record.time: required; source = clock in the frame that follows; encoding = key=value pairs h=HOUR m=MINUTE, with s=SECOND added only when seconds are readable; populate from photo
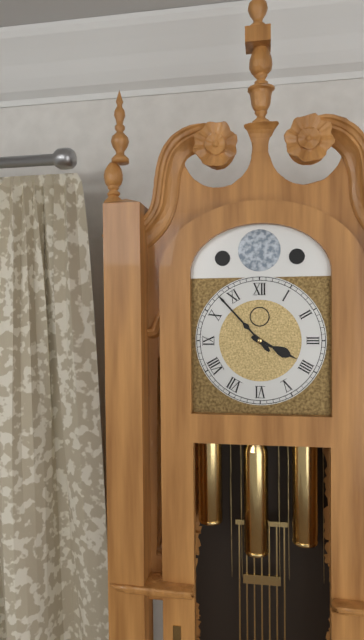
h=3 m=53
